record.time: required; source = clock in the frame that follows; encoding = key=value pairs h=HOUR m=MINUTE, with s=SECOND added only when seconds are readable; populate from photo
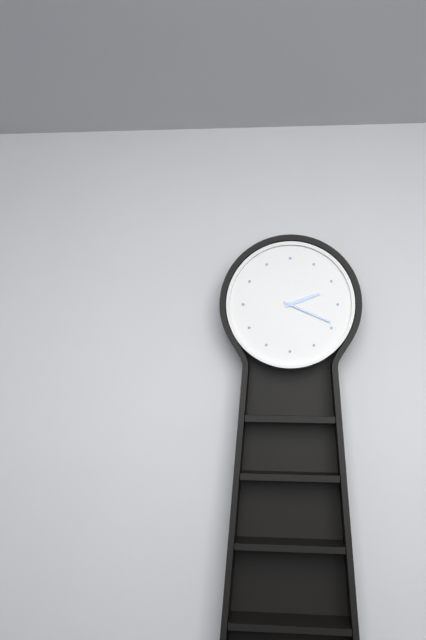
h=2 m=19
